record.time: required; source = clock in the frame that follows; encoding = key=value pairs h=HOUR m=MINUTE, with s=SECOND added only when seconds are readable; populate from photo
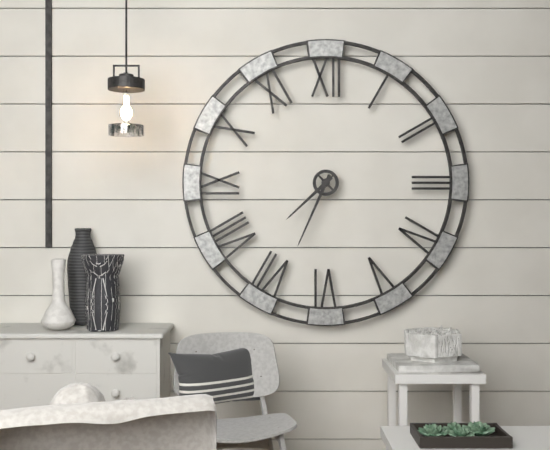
h=7 m=34
